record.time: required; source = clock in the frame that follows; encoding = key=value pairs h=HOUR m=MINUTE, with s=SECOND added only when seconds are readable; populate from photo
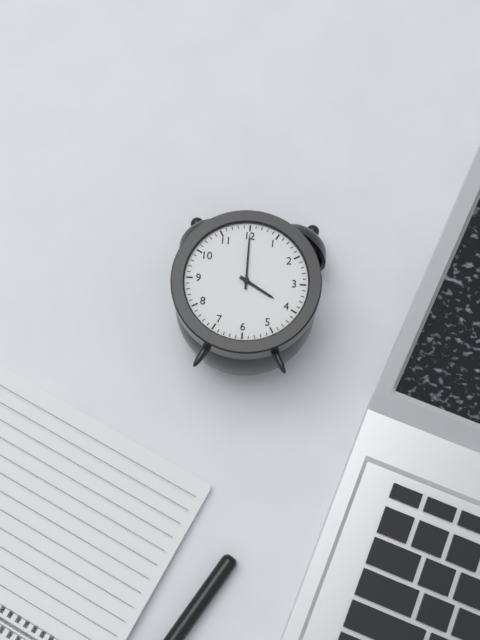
h=4 m=0
